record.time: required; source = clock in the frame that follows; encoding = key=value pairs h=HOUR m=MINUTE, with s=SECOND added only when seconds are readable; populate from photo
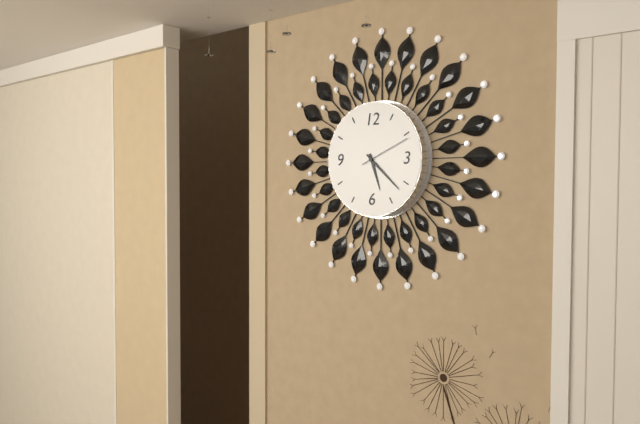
h=5 m=22 s=11
